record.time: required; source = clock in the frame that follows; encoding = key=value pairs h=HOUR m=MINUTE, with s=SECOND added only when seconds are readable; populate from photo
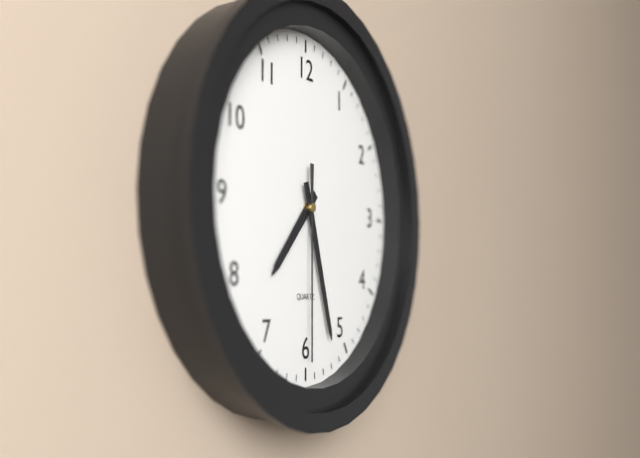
h=7 m=27 s=30
